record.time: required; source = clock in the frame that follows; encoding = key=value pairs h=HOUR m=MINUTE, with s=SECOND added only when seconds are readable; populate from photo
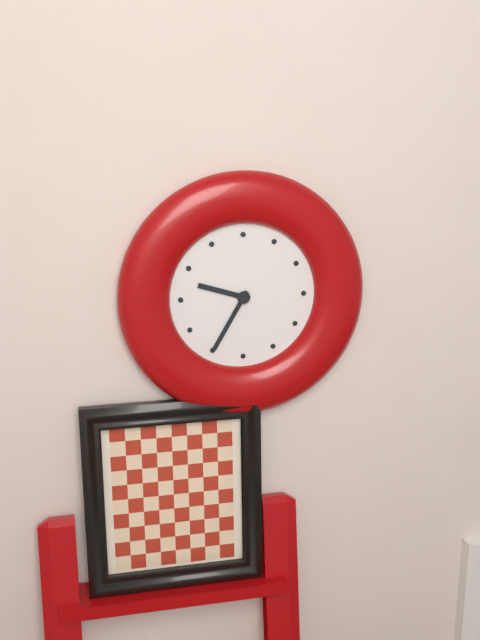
h=9 m=35
